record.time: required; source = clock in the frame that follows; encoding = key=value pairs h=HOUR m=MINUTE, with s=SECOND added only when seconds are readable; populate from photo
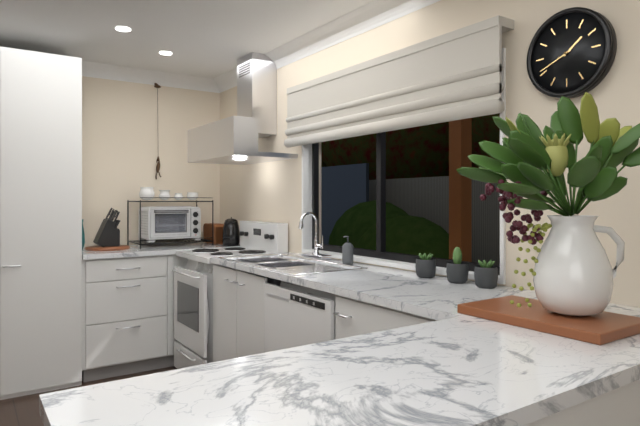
h=1 m=41
